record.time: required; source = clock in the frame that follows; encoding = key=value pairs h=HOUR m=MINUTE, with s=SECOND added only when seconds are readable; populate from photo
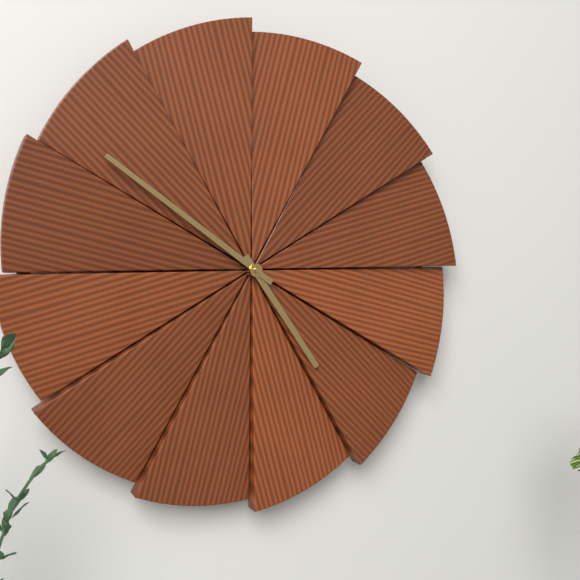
h=4 m=51
